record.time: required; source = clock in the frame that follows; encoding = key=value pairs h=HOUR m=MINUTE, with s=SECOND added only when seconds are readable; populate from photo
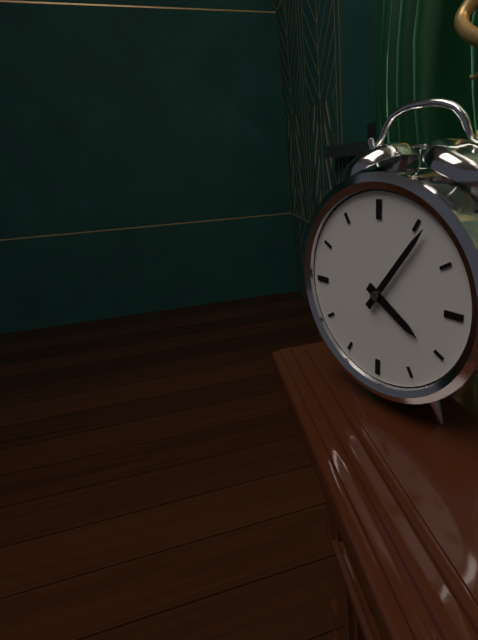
h=4 m=6
